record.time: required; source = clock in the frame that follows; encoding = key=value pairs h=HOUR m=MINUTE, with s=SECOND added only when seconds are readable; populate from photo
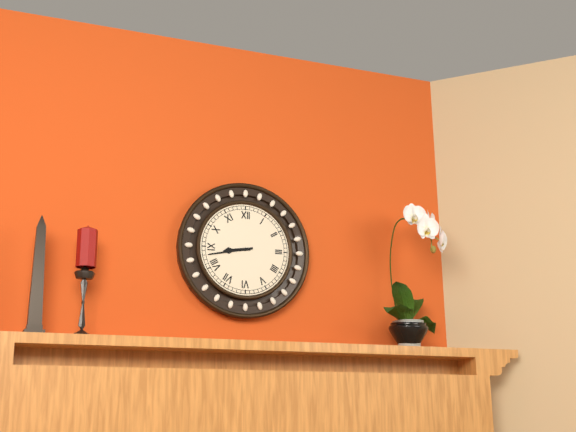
h=8 m=43
